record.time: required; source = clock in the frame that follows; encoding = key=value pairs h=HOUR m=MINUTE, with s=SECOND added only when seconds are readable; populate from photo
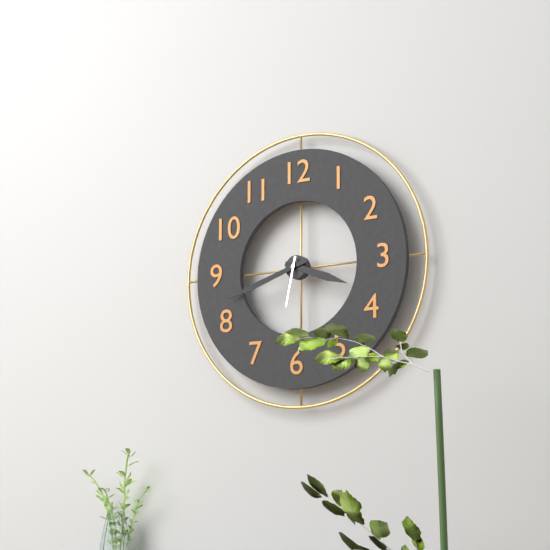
h=3 m=42 s=32
